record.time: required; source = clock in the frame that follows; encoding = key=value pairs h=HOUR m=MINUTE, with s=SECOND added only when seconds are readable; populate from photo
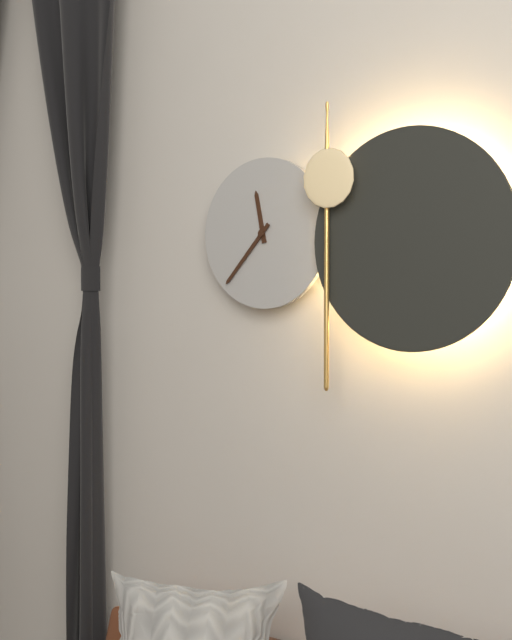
h=11 m=37
